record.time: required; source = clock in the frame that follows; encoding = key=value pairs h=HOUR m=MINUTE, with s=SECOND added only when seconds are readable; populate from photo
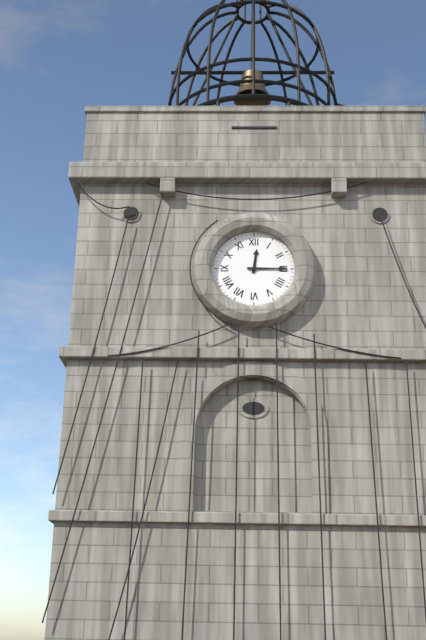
h=12 m=15
